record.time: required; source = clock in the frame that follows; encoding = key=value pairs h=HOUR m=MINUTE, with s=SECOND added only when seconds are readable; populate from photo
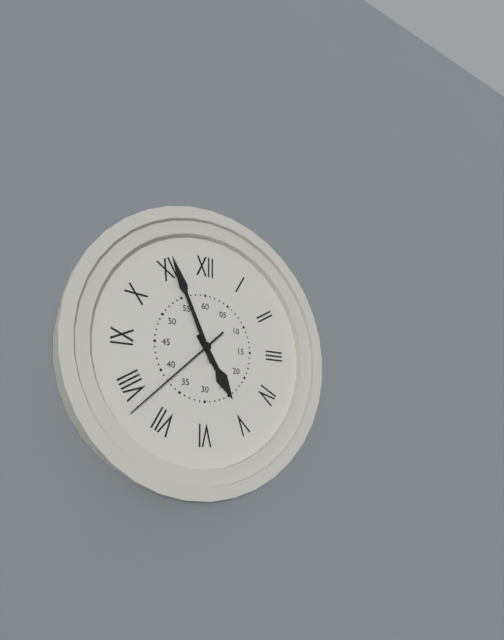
h=4 m=56 s=38
